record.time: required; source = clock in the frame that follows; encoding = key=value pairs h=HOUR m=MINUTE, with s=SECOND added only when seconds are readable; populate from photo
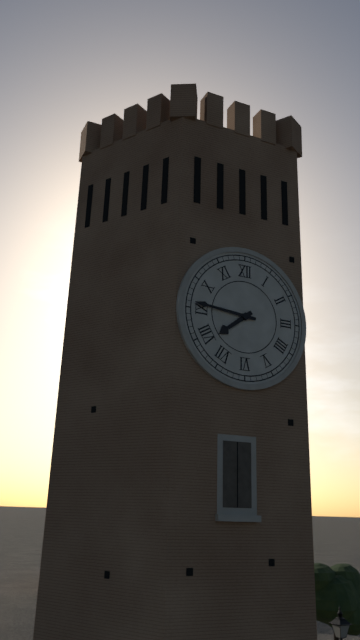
h=7 m=46
